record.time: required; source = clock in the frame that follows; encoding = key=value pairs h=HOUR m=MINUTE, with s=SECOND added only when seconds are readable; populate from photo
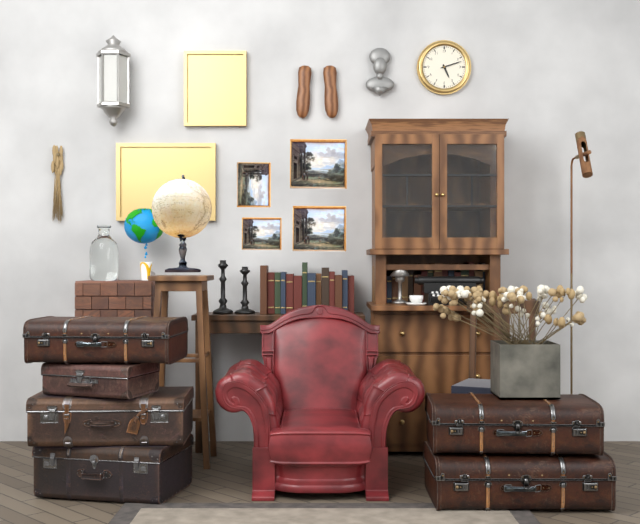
h=5 m=12
